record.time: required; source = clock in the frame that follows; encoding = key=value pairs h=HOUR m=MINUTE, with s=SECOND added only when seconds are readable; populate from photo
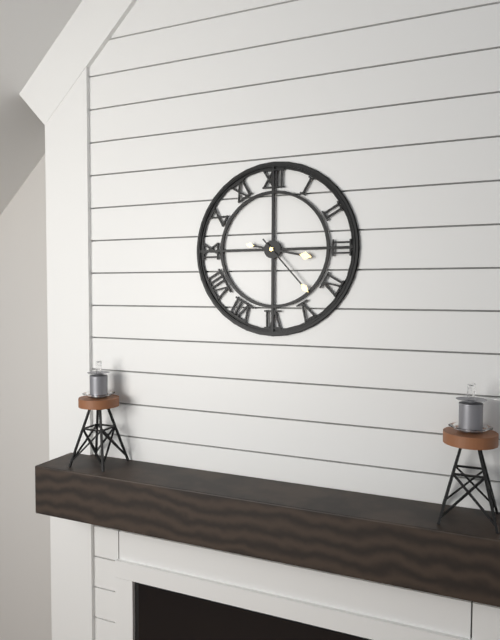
h=3 m=23
